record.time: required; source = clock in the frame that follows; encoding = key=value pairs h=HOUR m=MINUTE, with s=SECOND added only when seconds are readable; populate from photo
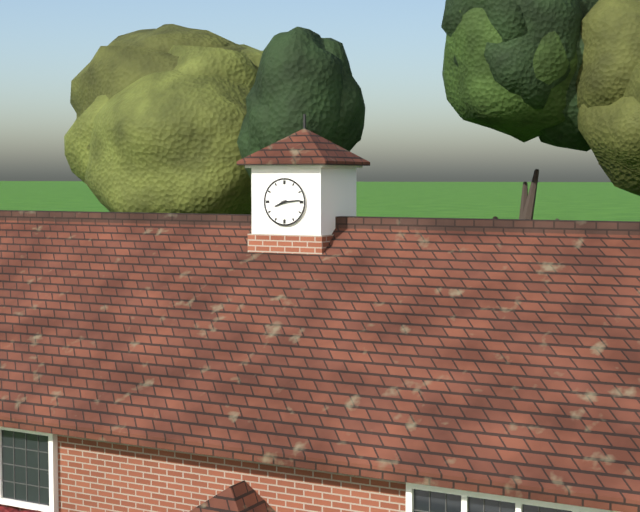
h=8 m=14
